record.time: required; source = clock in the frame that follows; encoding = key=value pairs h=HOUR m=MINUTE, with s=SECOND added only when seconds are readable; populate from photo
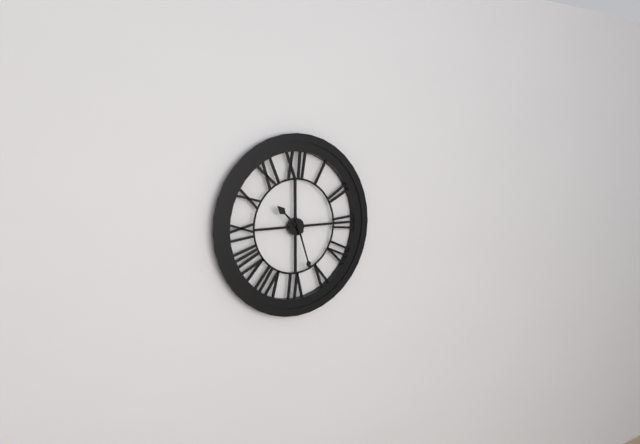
h=10 m=27
